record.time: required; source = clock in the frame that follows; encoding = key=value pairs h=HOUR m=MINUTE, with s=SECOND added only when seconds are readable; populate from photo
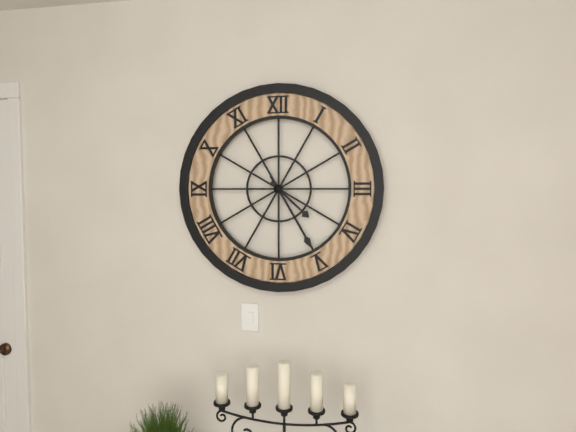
h=4 m=25
